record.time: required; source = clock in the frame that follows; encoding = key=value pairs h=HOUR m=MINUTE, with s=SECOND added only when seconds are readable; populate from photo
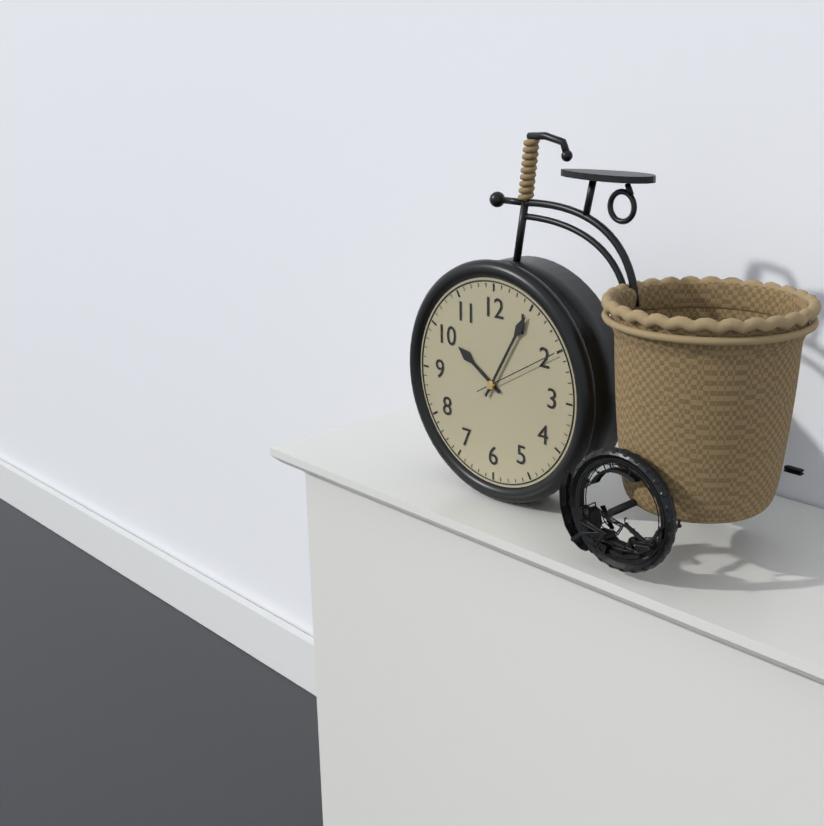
h=10 m=5 s=10
